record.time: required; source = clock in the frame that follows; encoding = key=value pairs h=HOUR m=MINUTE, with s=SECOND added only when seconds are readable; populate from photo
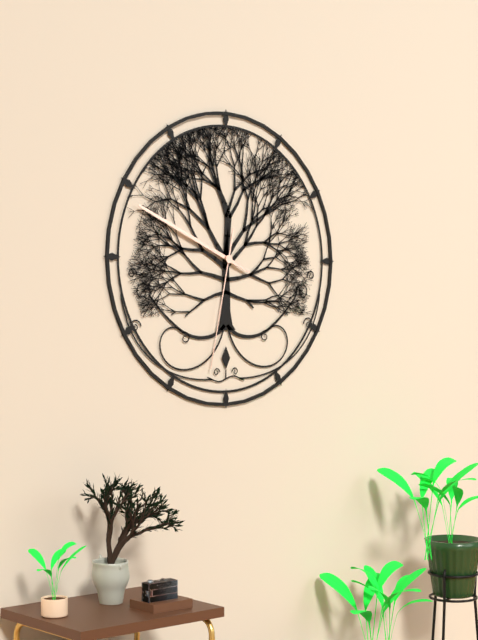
h=9 m=49 s=32
